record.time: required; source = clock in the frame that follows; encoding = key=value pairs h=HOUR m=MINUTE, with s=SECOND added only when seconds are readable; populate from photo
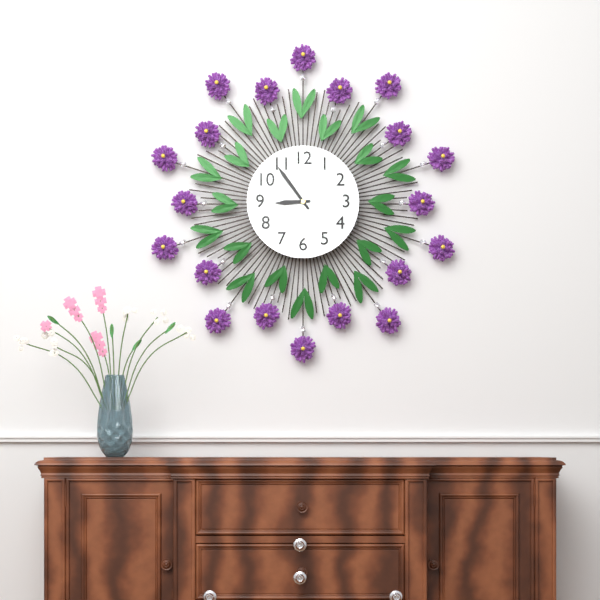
h=8 m=54
